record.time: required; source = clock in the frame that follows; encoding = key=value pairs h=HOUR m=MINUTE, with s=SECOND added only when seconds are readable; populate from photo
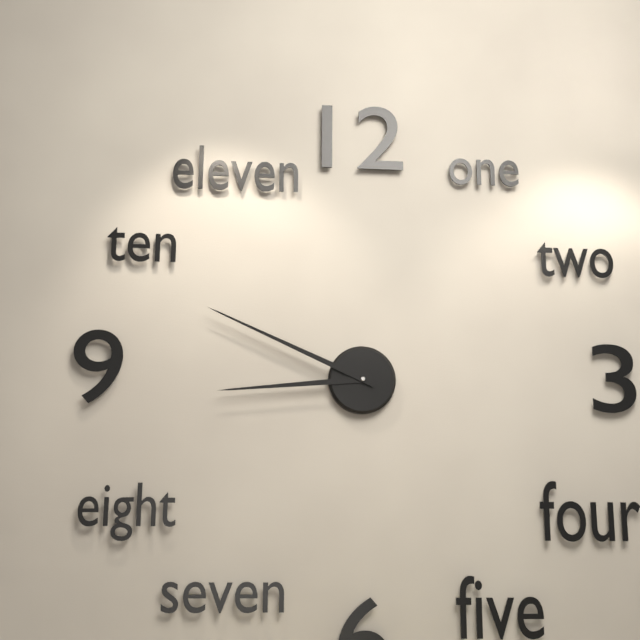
h=8 m=49
